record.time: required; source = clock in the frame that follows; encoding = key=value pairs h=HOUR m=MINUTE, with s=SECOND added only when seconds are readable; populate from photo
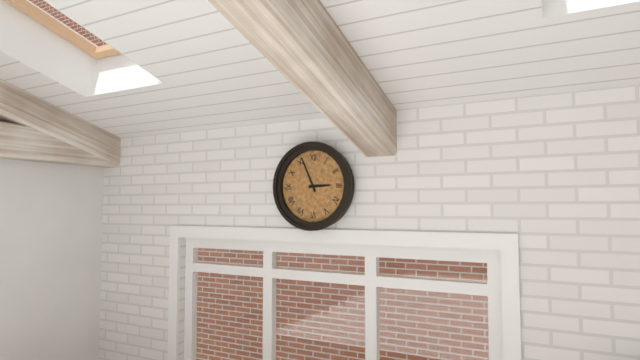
h=2 m=56
